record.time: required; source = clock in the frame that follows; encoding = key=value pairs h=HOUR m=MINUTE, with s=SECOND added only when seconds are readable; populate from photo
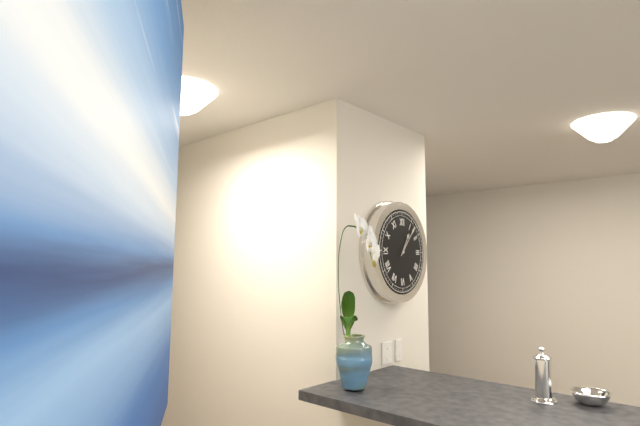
h=1 m=7
